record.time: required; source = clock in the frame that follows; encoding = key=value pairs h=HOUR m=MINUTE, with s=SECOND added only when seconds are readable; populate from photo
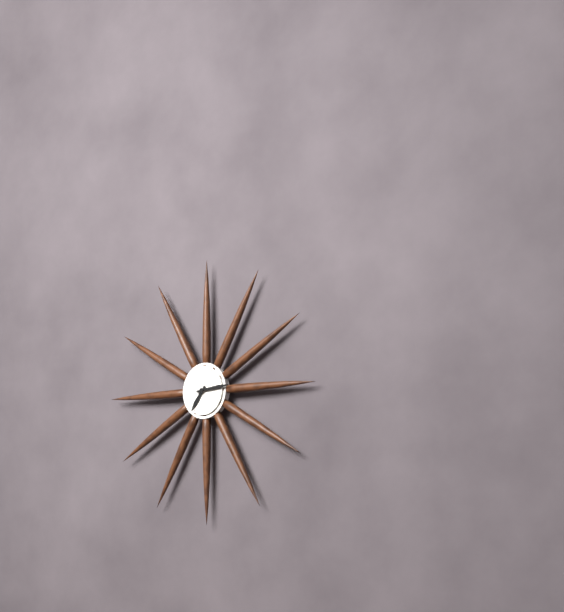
h=7 m=14
